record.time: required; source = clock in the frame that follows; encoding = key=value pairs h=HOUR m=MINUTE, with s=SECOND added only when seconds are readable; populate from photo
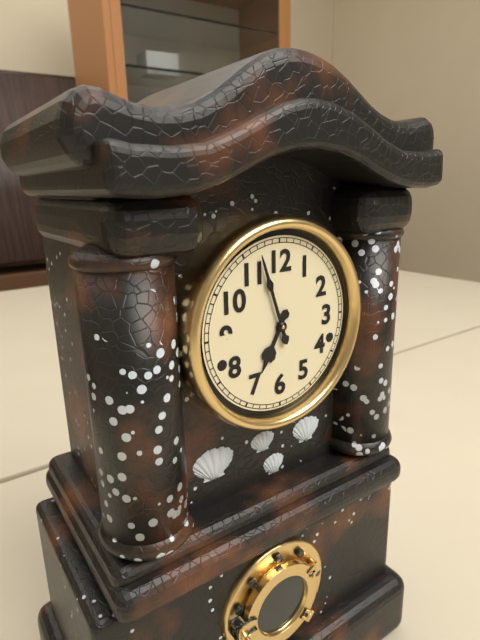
h=6 m=57
